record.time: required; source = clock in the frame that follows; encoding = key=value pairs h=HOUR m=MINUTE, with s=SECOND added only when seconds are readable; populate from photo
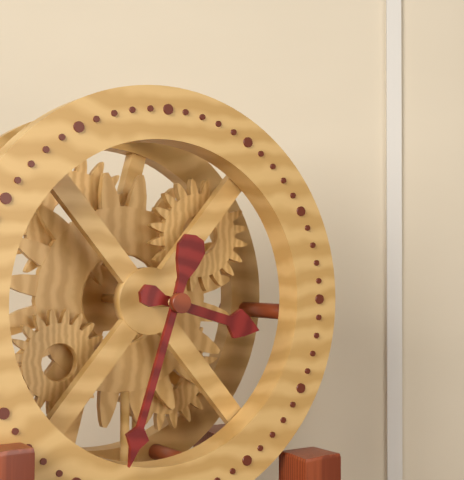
h=3 m=33
